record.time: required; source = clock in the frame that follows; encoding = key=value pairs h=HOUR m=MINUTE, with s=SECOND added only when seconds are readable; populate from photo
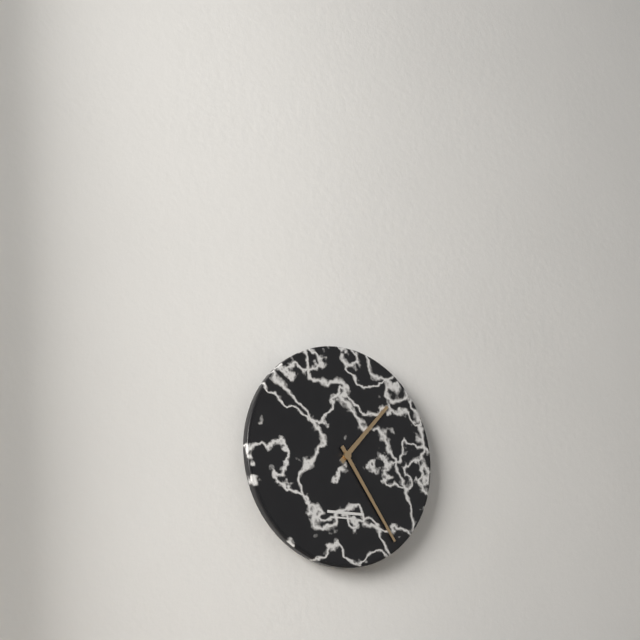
h=1 m=24
